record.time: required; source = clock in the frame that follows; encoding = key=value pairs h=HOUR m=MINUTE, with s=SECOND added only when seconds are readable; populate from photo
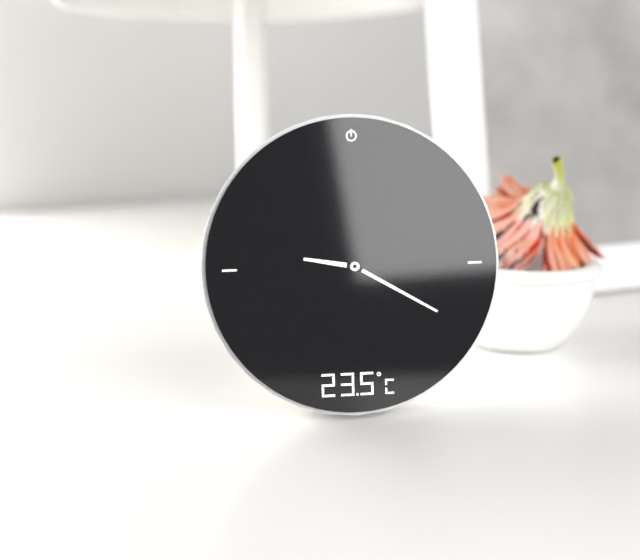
h=9 m=20
